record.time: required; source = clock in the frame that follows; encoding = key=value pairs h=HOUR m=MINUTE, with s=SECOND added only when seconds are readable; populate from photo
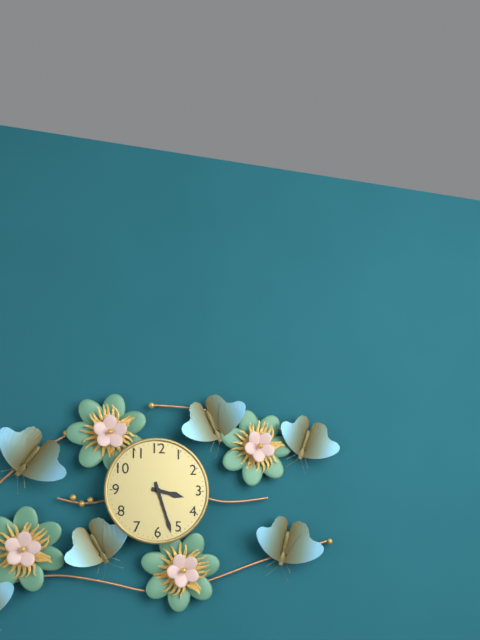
h=3 m=27
